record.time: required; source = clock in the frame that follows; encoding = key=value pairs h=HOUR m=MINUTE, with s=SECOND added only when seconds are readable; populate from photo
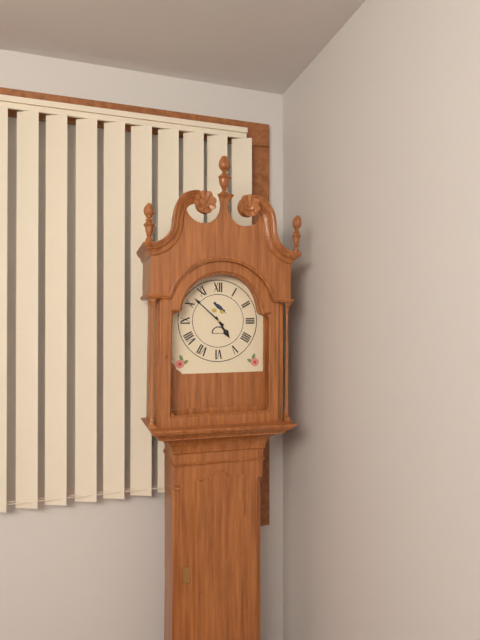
h=4 m=52
